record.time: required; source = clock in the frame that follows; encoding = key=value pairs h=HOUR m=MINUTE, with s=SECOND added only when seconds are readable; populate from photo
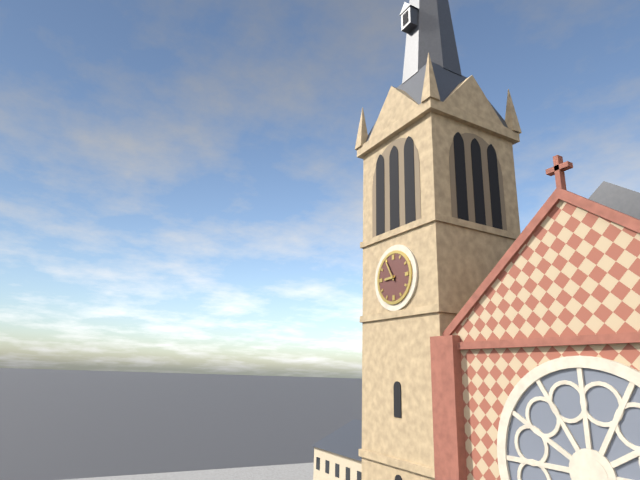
h=8 m=55
